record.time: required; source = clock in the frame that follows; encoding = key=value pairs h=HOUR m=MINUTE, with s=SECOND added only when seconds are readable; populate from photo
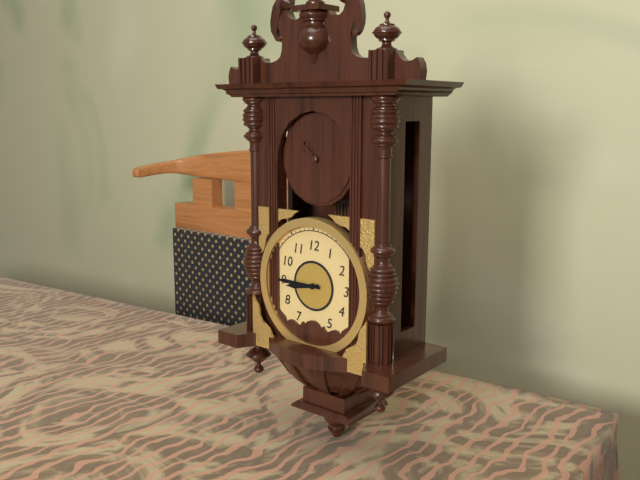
h=8 m=45
